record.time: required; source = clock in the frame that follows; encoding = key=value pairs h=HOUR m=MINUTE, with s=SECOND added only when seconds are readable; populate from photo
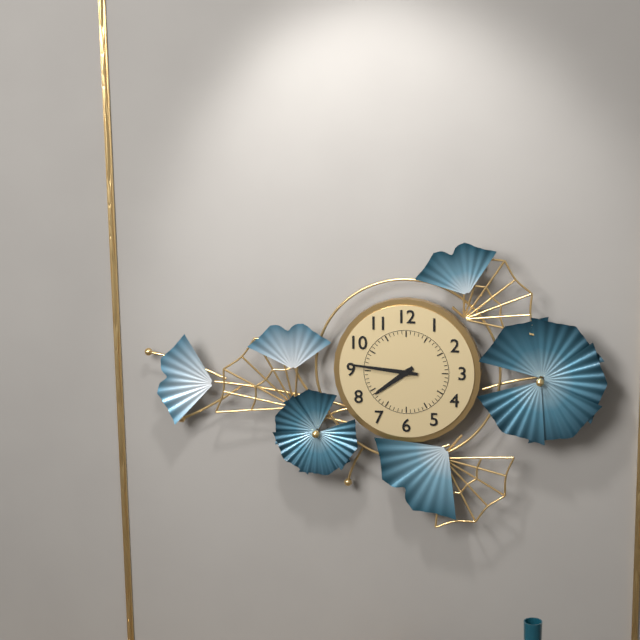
h=7 m=46
